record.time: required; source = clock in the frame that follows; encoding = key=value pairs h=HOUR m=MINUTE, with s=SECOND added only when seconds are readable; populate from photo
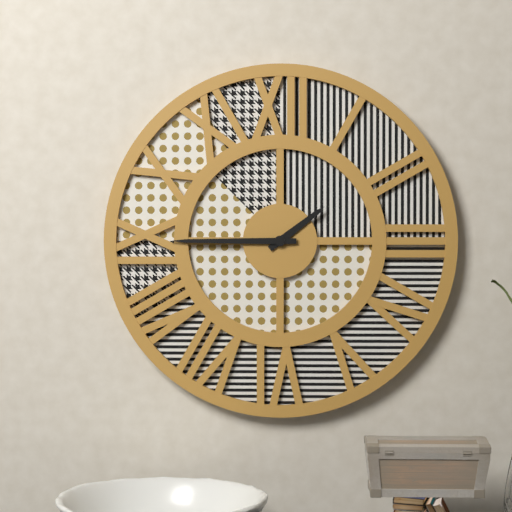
h=1 m=45
